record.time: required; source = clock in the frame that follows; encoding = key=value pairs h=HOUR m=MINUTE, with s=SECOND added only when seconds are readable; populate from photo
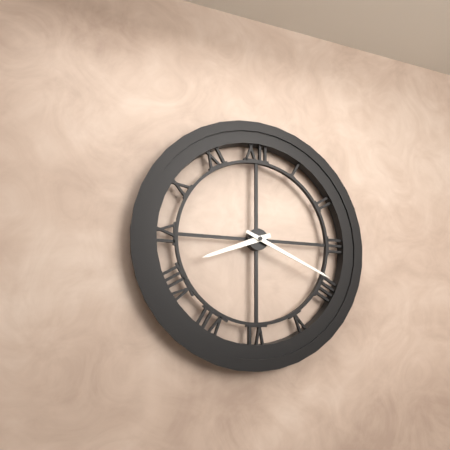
h=8 m=19
